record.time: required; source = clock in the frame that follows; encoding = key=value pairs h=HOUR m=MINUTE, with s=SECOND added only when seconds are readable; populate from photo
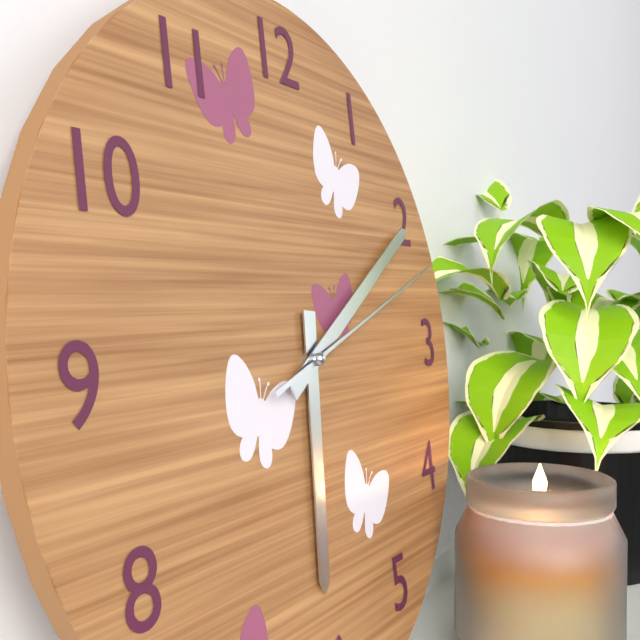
h=6 m=10 s=12
